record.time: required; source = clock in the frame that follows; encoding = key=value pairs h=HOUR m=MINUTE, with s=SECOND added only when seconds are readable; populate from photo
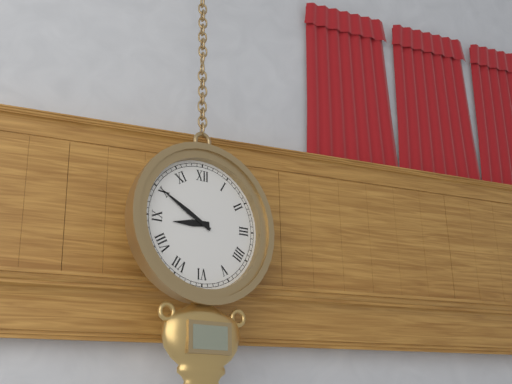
h=8 m=50
